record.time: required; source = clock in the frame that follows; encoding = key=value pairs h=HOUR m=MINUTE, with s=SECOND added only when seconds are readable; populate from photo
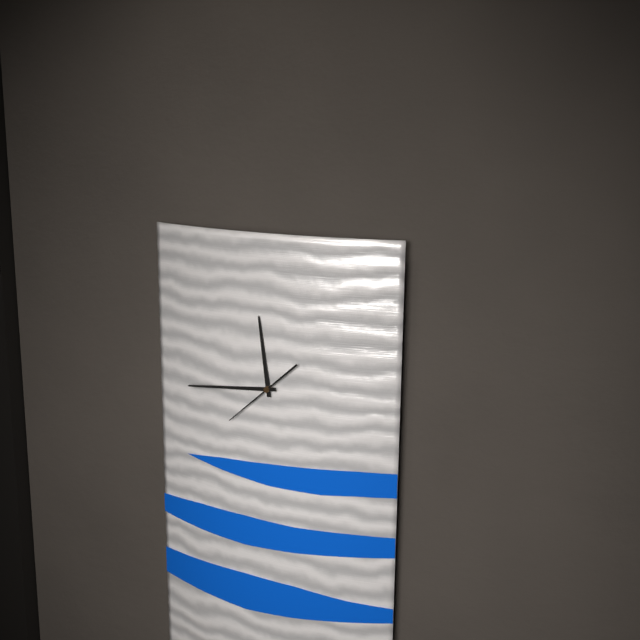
h=11 m=44 s=38
